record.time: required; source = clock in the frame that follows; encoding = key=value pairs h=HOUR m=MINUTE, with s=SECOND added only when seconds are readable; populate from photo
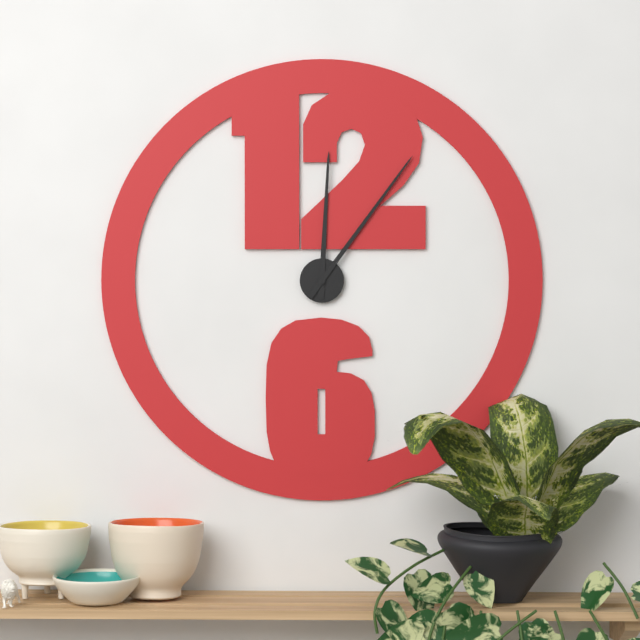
h=12 m=6
